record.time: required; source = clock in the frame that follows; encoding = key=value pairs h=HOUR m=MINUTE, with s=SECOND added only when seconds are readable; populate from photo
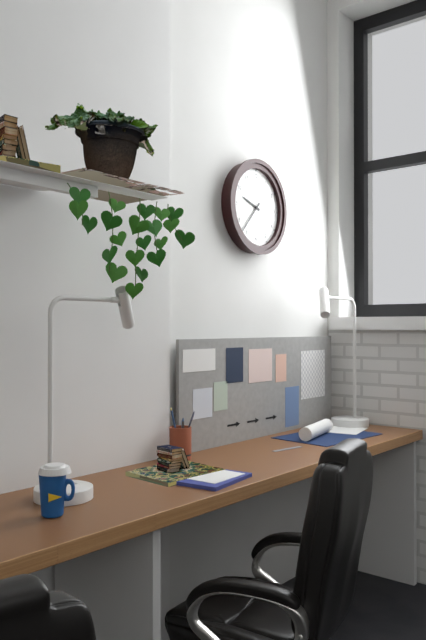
h=9 m=37
